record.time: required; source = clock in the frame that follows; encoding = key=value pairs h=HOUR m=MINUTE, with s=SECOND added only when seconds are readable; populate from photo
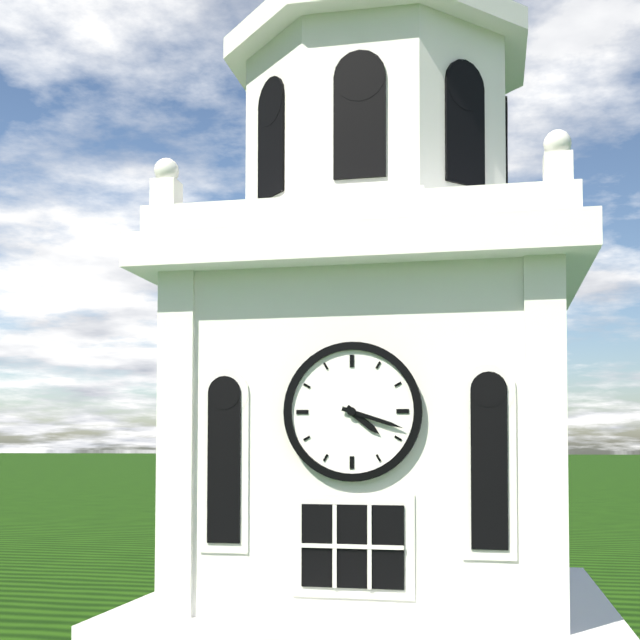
h=4 m=18
